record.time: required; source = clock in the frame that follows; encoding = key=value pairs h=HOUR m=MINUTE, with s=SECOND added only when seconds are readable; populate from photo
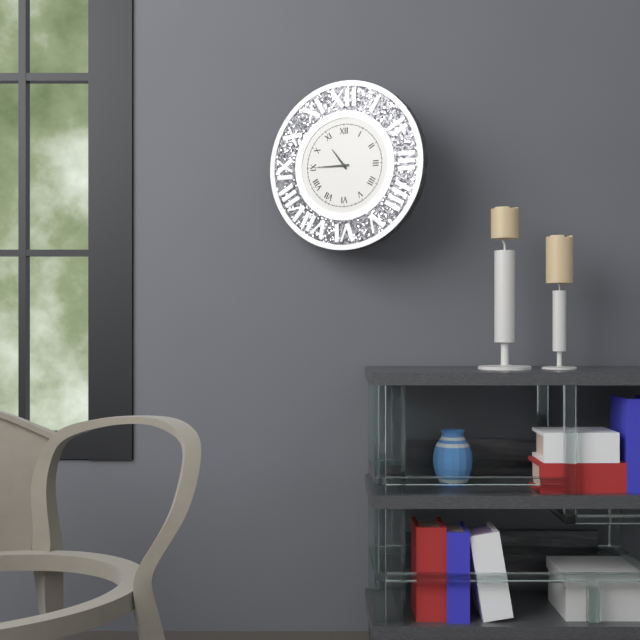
h=10 m=45
